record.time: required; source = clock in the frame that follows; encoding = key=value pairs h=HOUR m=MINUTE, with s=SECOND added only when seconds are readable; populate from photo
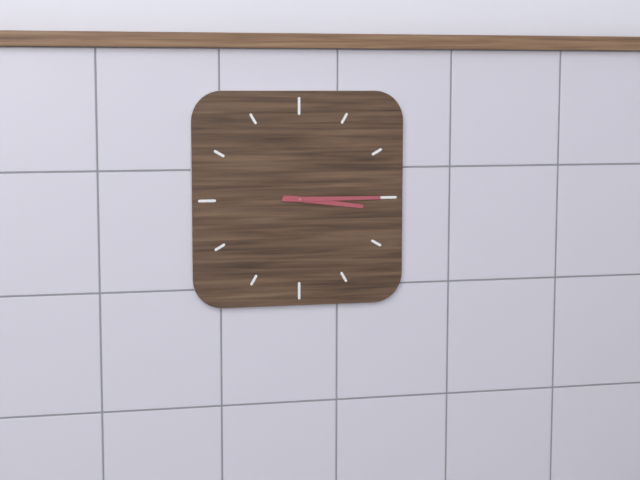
h=3 m=15
